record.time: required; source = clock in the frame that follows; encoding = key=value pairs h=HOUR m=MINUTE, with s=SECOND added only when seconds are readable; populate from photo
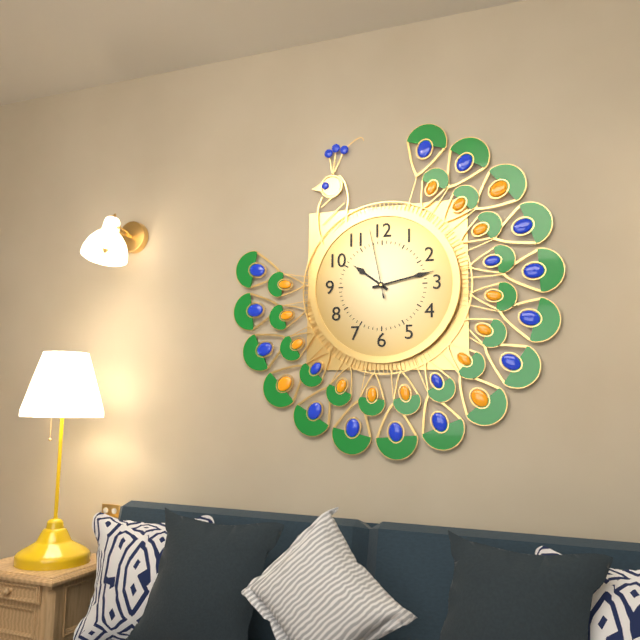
h=10 m=13 s=58
